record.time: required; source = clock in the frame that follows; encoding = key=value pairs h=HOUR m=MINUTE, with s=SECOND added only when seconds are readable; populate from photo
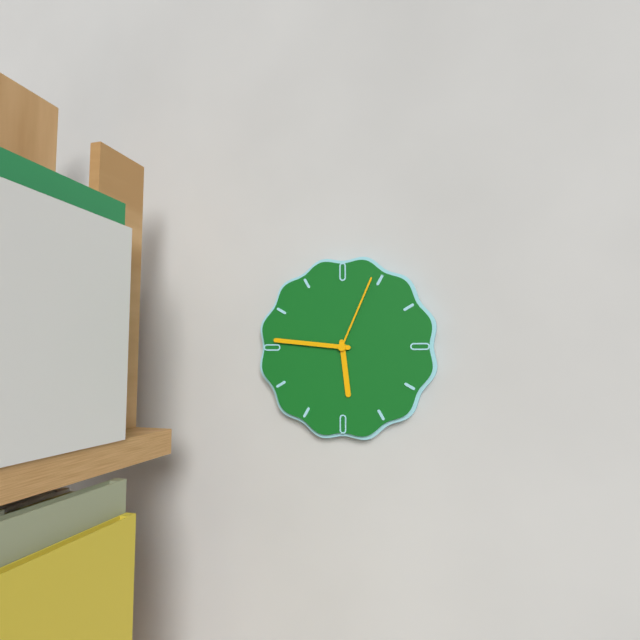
h=5 m=46 s=4
